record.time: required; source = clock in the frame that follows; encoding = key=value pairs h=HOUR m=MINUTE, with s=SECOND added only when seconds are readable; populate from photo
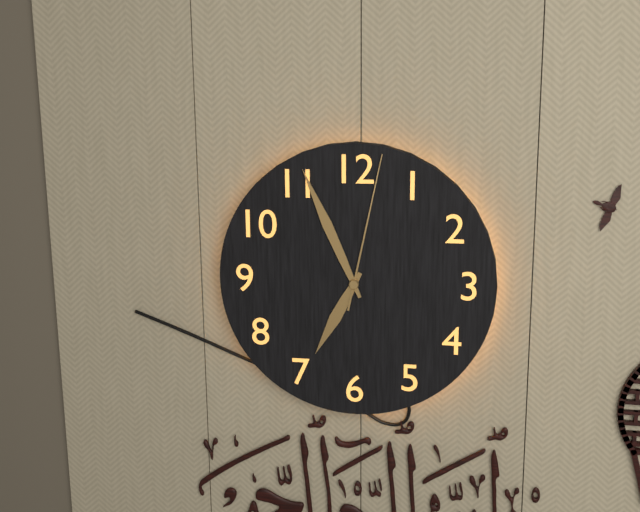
h=6 m=56 s=2
